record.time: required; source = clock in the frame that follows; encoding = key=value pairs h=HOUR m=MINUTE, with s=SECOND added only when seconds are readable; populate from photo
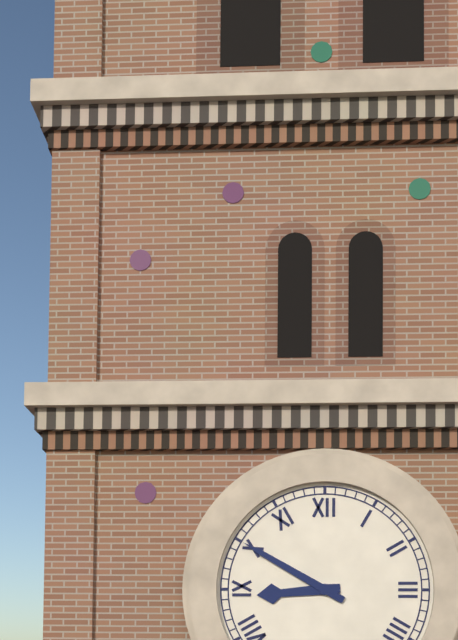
h=8 m=50
